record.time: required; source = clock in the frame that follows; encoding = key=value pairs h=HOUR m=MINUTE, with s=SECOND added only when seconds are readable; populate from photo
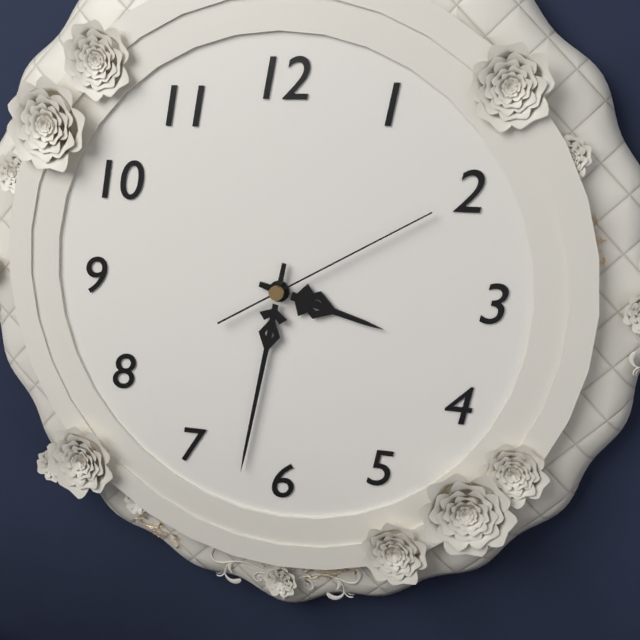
h=3 m=32 s=10
